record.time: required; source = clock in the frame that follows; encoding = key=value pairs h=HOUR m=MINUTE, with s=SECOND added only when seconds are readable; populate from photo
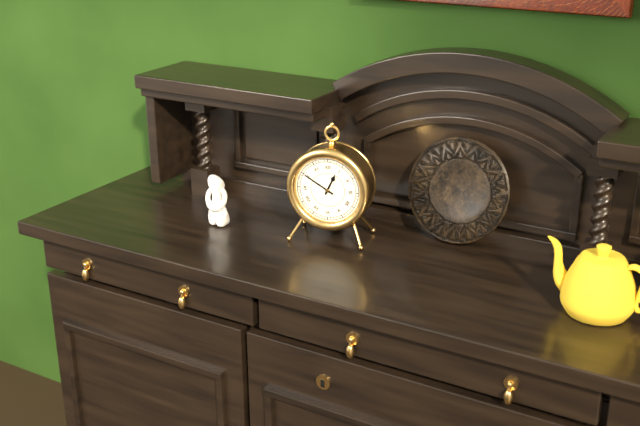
h=12 m=50
